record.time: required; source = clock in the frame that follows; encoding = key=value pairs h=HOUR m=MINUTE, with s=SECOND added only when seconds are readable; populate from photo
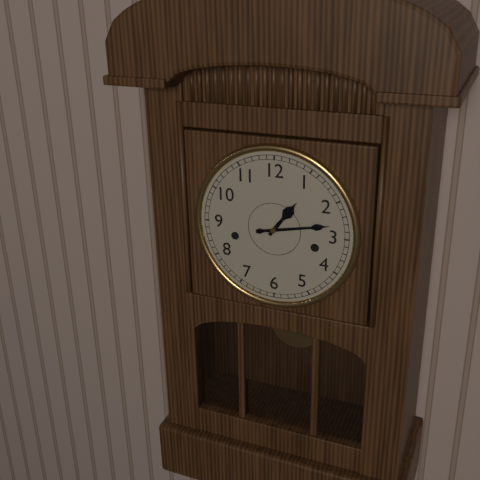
h=1 m=13
